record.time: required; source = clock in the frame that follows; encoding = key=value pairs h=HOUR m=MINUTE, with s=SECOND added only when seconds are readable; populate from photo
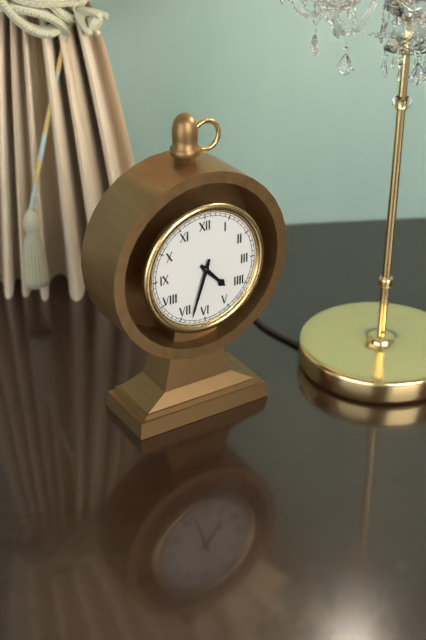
h=4 m=33
